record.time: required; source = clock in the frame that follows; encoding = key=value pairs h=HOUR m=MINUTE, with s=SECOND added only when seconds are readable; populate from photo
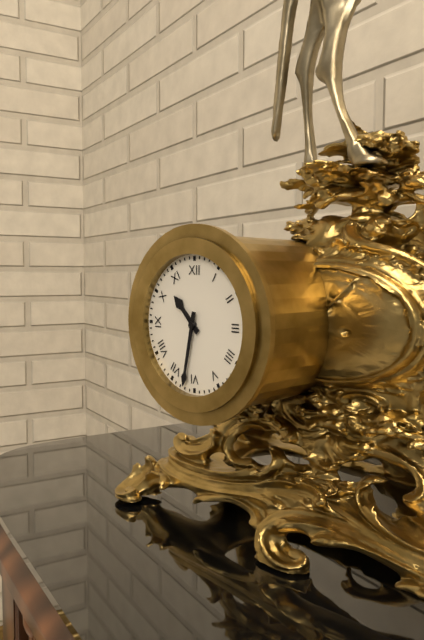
h=10 m=32
